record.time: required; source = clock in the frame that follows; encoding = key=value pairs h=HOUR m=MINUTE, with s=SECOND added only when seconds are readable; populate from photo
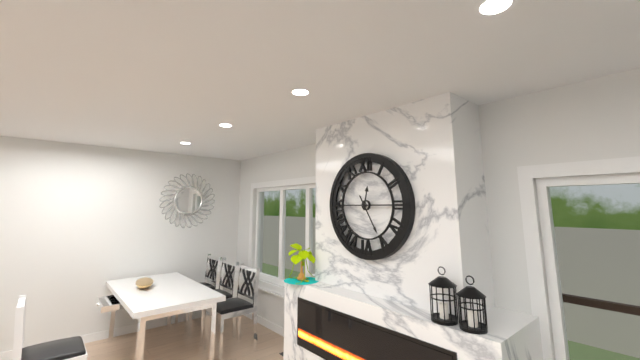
h=12 m=25
